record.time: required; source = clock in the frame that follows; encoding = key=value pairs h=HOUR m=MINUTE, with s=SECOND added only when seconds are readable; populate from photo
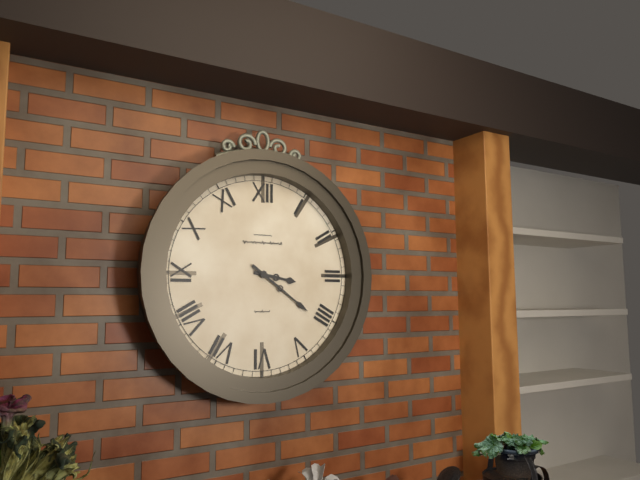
h=3 m=21
